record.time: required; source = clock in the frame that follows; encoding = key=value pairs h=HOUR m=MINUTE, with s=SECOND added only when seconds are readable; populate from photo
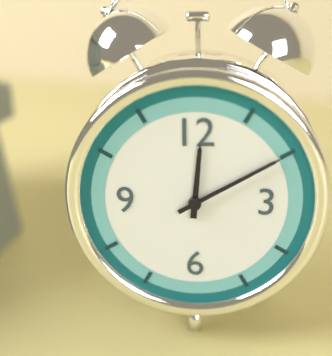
h=12 m=10
